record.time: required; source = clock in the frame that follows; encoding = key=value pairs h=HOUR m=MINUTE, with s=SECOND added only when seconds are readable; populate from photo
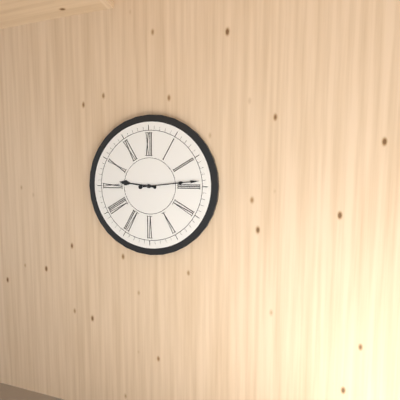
h=9 m=14
